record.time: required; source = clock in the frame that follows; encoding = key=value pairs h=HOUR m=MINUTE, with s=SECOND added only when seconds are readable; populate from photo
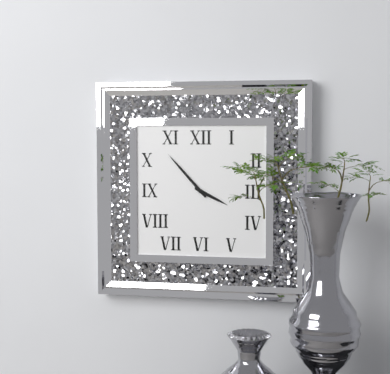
h=3 m=53
